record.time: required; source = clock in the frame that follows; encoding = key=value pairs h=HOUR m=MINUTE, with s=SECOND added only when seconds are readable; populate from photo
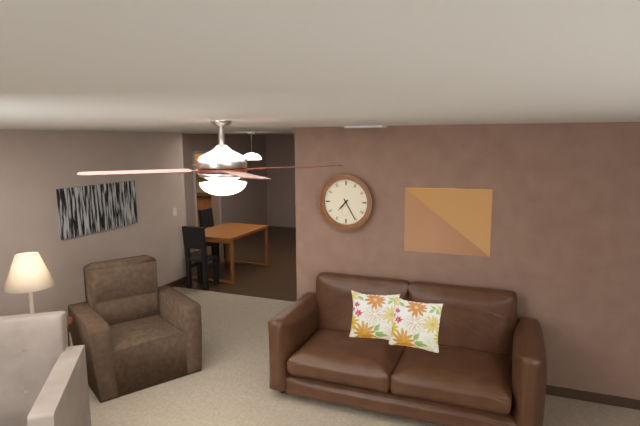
h=7 m=25
